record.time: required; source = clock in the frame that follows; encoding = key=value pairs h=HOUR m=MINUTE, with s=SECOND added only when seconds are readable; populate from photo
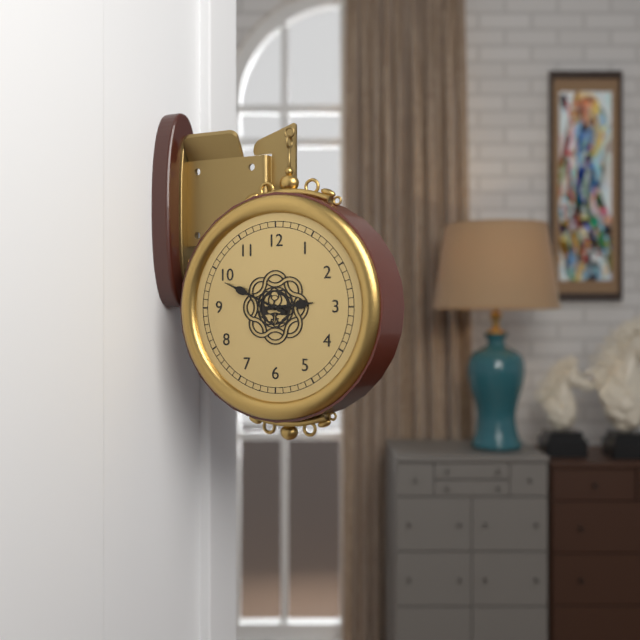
h=2 m=49
